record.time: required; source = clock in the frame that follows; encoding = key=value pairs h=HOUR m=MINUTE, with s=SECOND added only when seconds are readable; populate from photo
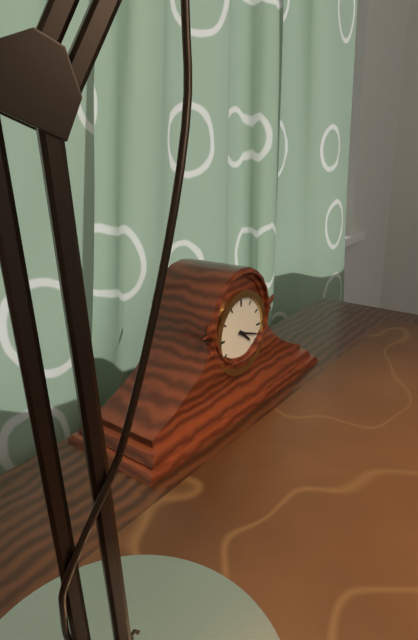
h=4 m=18
